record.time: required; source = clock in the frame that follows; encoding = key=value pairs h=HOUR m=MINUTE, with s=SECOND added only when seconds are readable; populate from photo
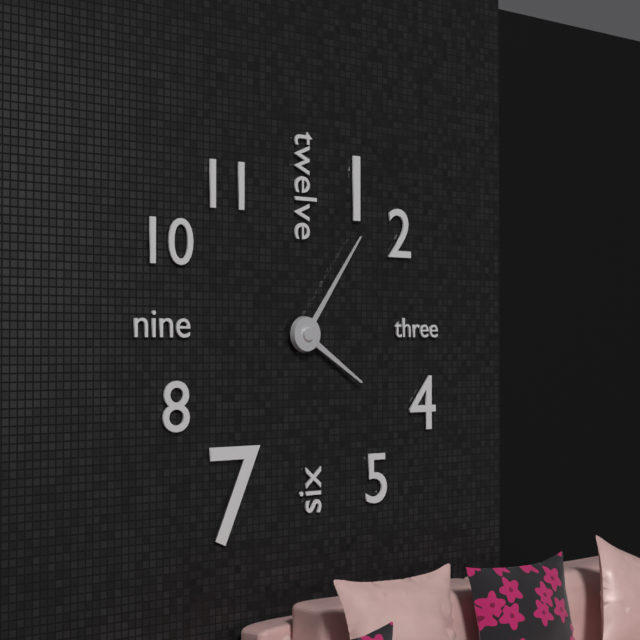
h=4 m=6
